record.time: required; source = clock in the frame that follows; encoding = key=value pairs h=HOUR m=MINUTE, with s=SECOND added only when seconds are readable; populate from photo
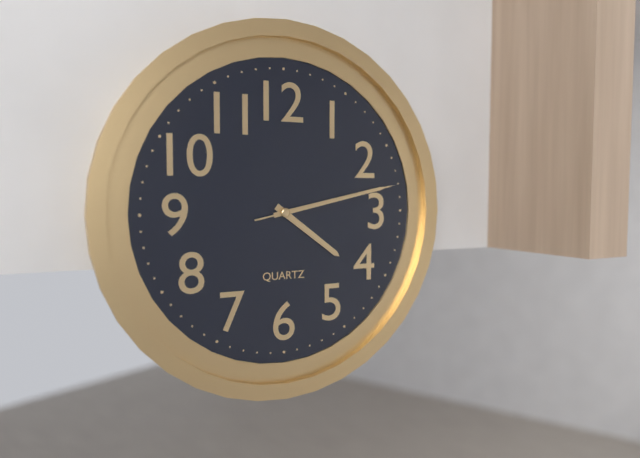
h=4 m=13 s=13
